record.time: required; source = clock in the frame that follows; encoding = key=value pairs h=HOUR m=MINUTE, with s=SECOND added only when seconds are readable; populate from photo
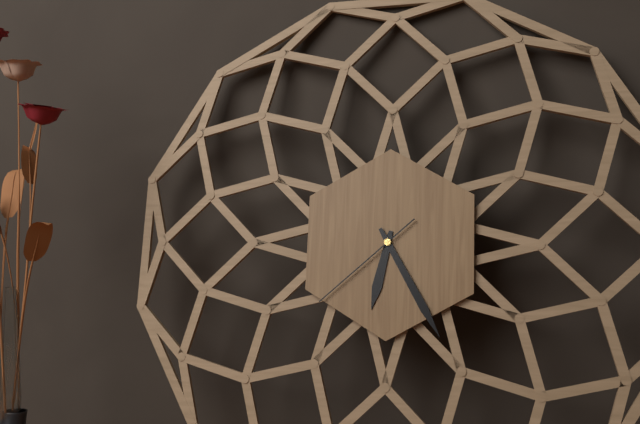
h=6 m=25 s=38
